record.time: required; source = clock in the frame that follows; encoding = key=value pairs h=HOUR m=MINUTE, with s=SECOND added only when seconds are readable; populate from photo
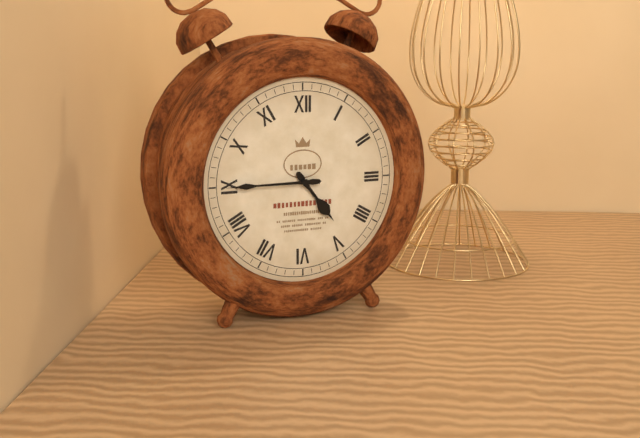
h=4 m=45
